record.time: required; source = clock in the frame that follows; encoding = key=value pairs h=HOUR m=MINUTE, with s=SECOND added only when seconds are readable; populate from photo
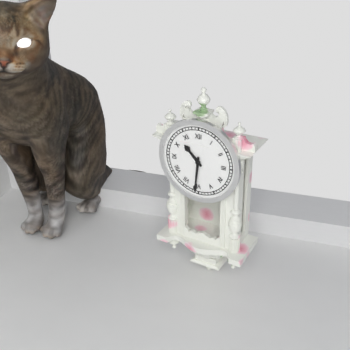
h=10 m=31
